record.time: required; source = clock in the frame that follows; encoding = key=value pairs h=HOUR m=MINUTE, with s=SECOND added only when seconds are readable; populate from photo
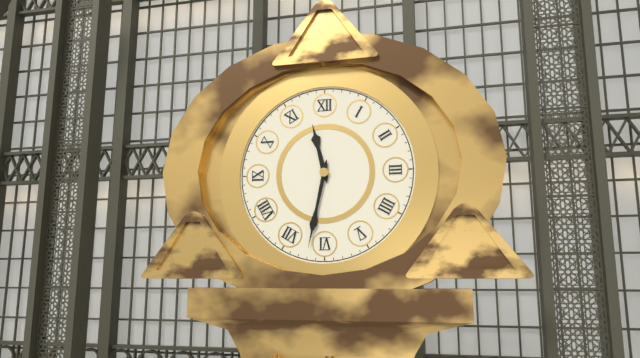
h=11 m=32
